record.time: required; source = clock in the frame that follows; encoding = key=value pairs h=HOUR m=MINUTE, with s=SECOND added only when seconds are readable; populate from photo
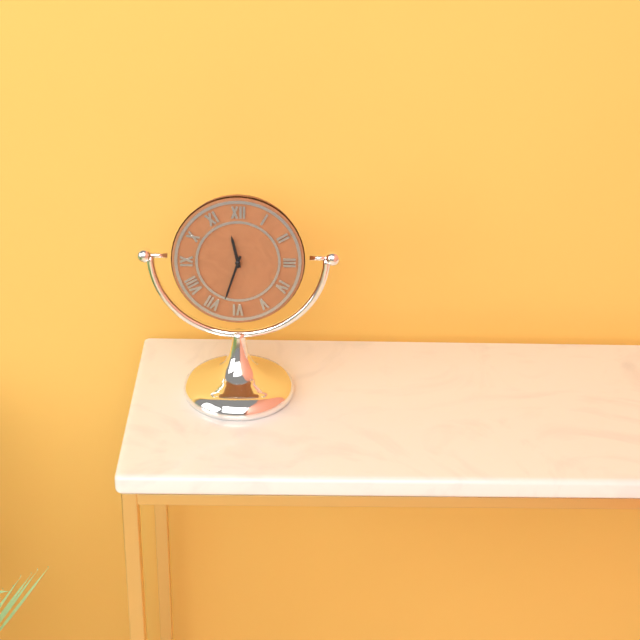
h=11 m=33
